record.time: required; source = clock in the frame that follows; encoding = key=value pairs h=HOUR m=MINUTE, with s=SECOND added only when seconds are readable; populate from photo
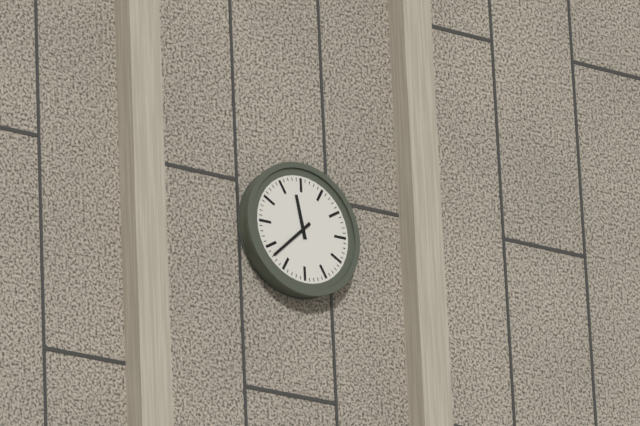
h=11 m=38
